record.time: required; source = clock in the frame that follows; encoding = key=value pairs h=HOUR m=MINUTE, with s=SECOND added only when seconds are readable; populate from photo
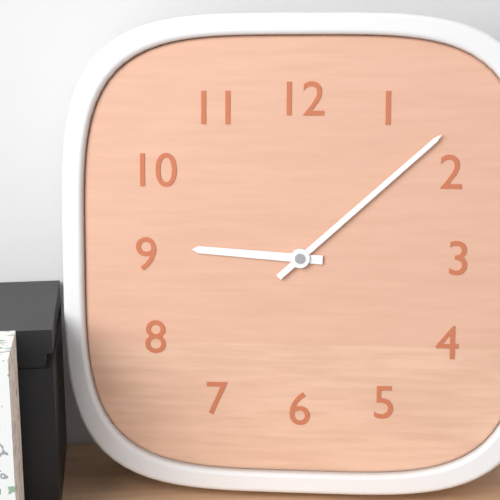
h=9 m=8
